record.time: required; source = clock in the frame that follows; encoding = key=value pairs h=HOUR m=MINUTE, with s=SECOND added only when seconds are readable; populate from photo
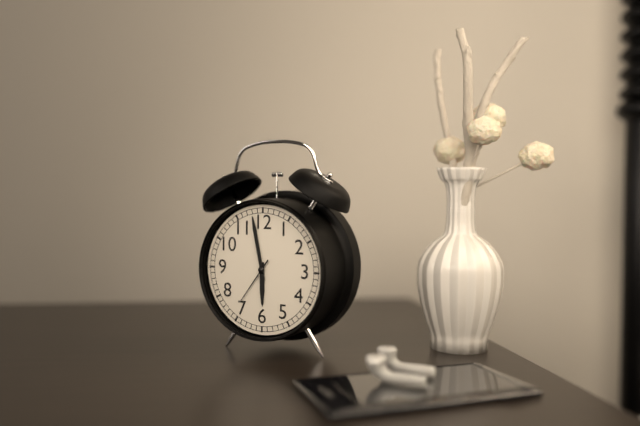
h=5 m=58
